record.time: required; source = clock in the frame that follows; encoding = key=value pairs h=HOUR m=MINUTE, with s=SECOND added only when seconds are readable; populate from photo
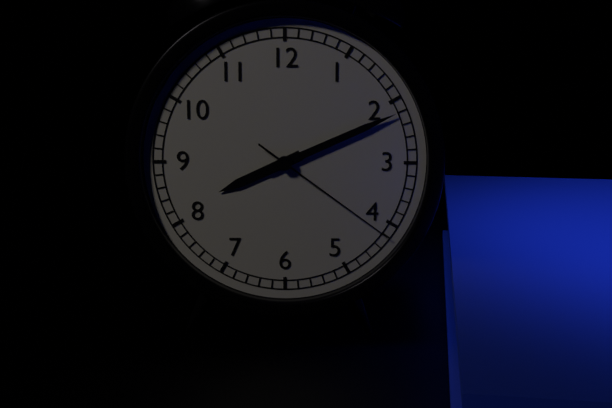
h=8 m=11 s=21
